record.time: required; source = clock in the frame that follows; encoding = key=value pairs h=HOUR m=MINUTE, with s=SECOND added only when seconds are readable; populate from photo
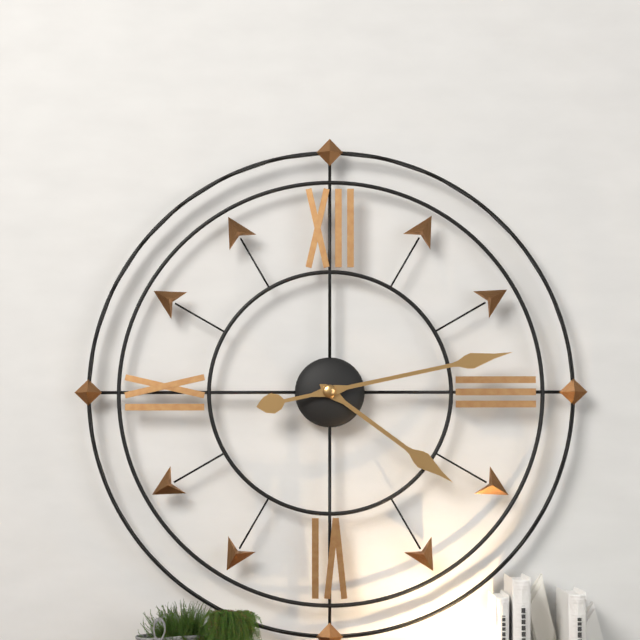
h=4 m=13
